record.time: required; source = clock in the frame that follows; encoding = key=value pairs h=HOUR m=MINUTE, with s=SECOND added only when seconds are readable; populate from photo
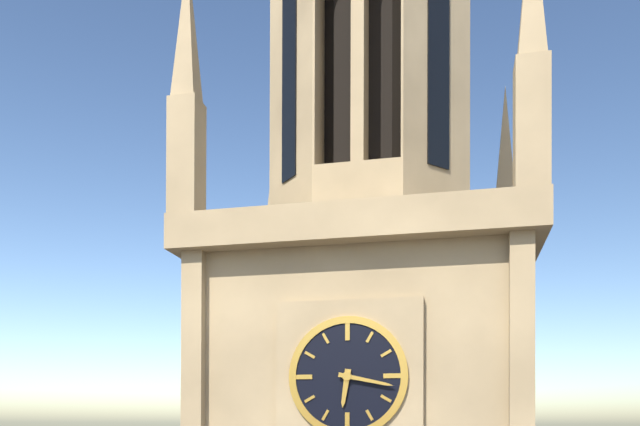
h=6 m=17
